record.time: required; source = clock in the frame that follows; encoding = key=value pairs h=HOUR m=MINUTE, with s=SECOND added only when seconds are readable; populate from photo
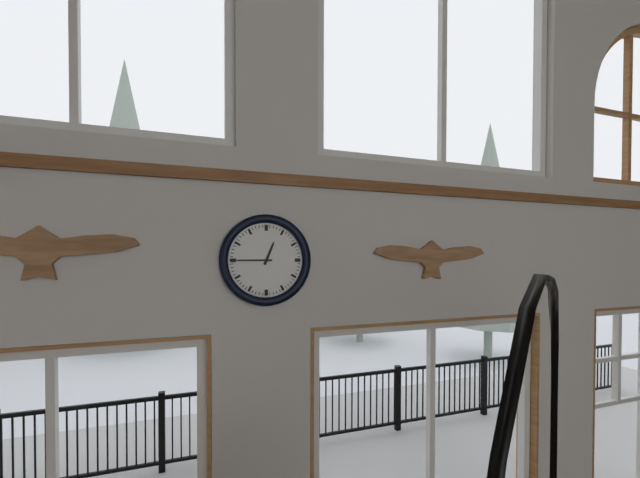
h=12 m=45
